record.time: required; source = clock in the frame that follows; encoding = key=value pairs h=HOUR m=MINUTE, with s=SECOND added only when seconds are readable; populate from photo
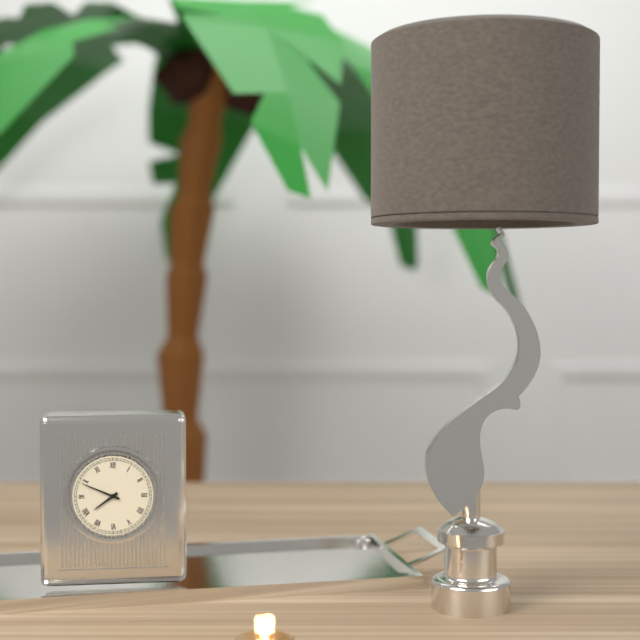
h=7 m=49
